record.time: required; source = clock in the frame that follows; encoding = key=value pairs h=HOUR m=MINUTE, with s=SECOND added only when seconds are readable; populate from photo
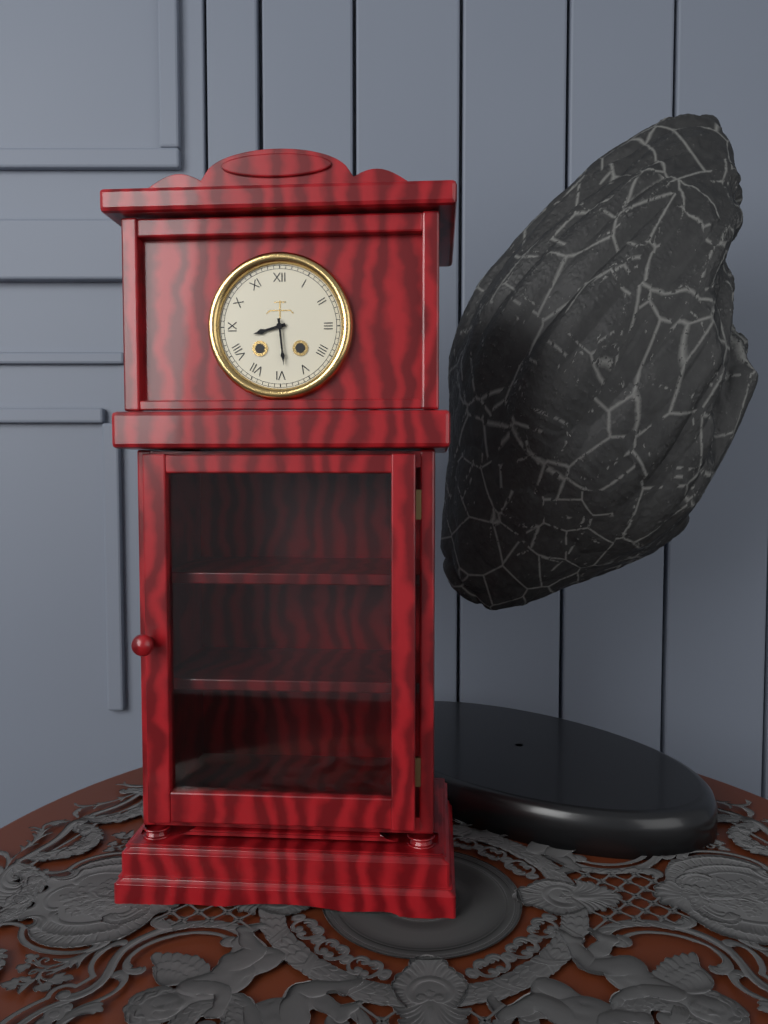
h=8 m=29
